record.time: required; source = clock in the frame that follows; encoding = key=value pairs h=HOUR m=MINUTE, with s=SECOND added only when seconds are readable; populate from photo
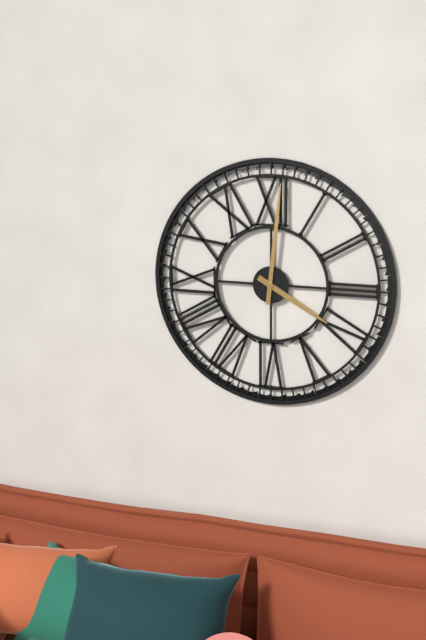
h=4 m=1
